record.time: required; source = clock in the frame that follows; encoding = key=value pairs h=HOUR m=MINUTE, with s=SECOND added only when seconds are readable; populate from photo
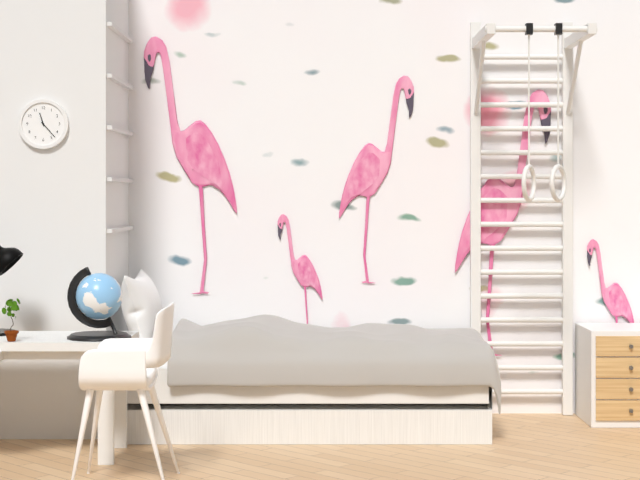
h=11 m=23
